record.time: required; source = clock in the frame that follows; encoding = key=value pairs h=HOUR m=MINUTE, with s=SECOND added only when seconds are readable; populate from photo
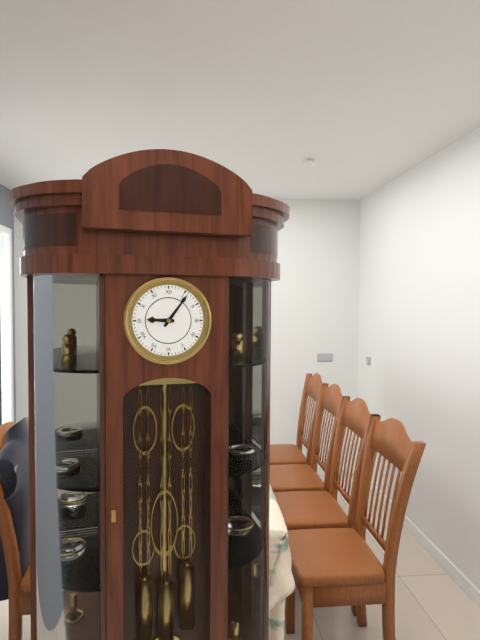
h=9 m=6
